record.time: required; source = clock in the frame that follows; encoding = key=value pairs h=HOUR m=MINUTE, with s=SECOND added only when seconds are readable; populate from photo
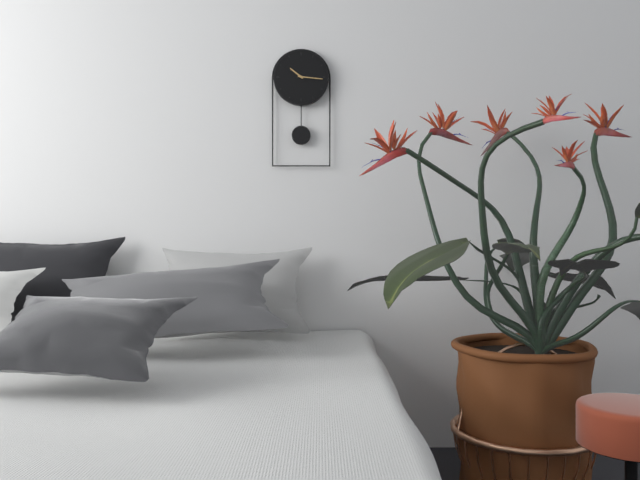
h=10 m=16
